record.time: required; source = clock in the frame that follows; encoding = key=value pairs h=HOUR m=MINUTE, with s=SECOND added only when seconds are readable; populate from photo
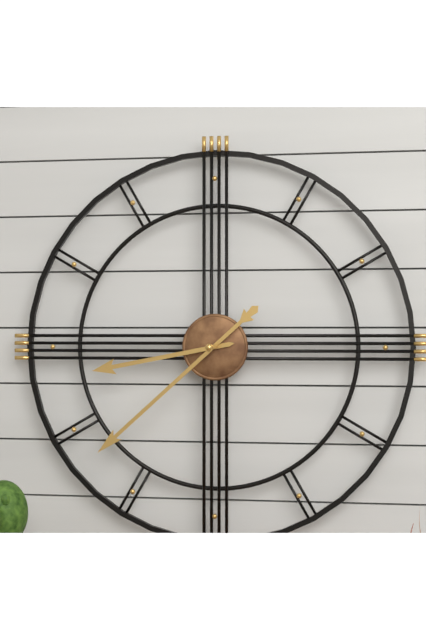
h=8 m=38
